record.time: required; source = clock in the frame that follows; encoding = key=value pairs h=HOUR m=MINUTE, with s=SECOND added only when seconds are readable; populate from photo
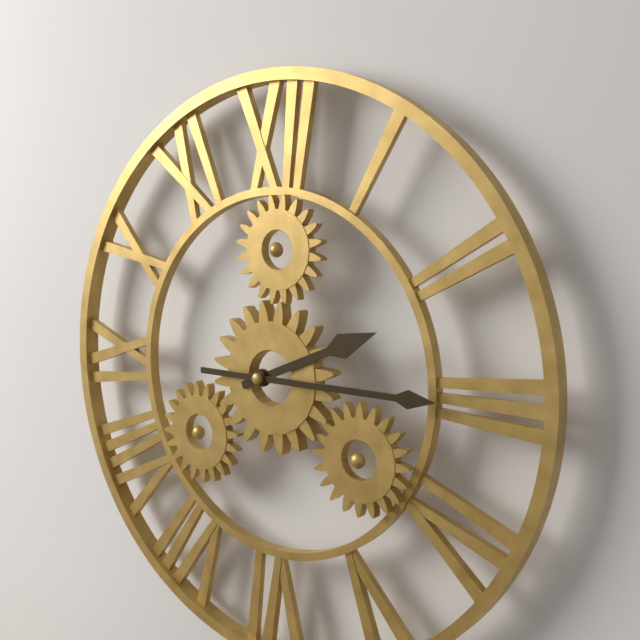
h=2 m=15
